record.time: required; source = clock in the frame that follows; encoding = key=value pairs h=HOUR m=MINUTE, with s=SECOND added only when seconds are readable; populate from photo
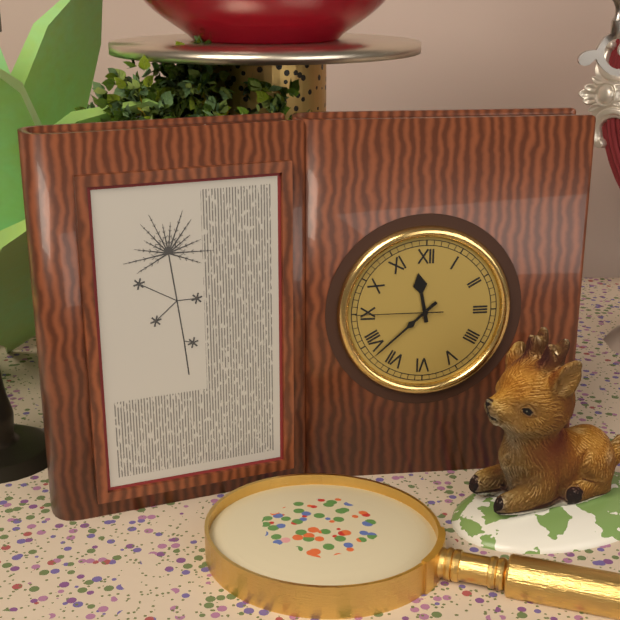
h=11 m=38 s=45
